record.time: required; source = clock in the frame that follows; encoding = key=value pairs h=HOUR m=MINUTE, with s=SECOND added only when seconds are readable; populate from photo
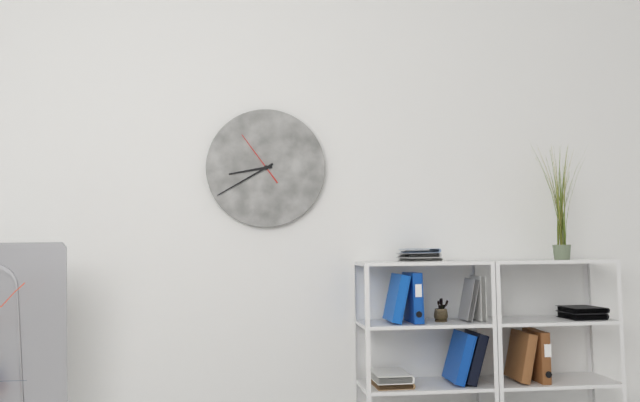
h=8 m=40 s=54
